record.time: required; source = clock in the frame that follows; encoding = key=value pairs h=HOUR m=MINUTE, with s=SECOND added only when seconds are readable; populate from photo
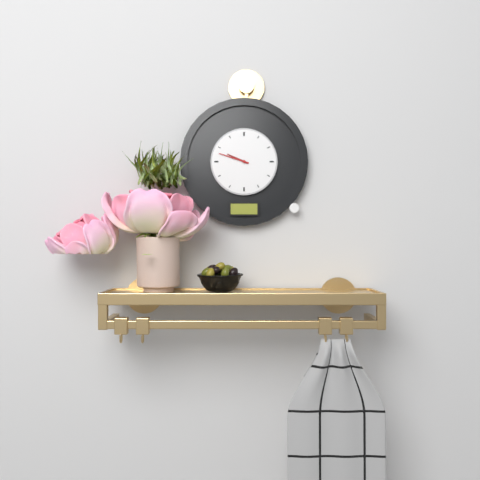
h=9 m=48
